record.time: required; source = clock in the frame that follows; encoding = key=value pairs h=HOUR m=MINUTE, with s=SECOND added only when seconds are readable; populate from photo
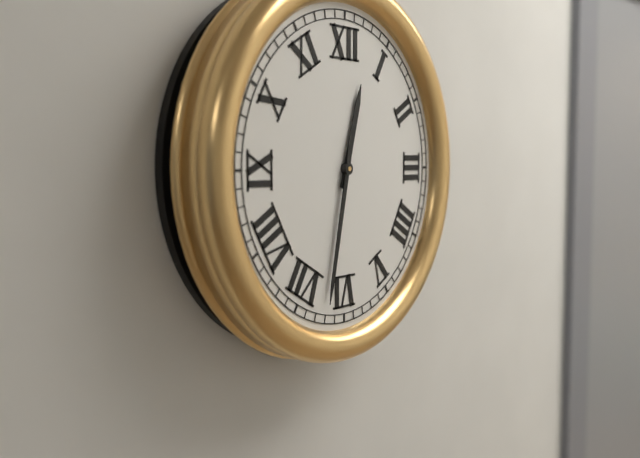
h=12 m=32
